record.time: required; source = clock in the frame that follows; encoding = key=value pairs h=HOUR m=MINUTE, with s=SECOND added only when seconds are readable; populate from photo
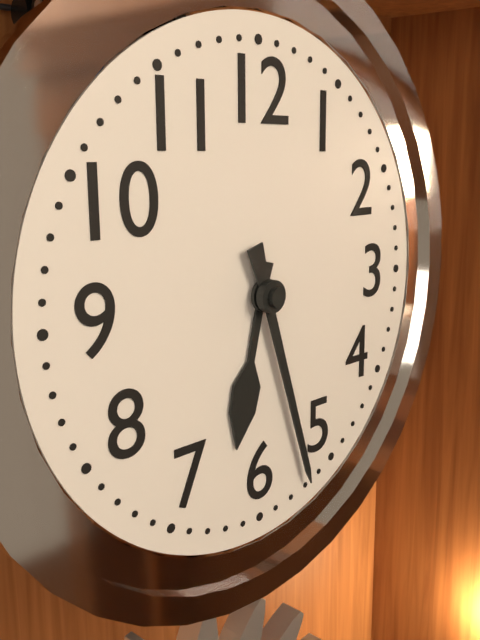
h=6 m=27
